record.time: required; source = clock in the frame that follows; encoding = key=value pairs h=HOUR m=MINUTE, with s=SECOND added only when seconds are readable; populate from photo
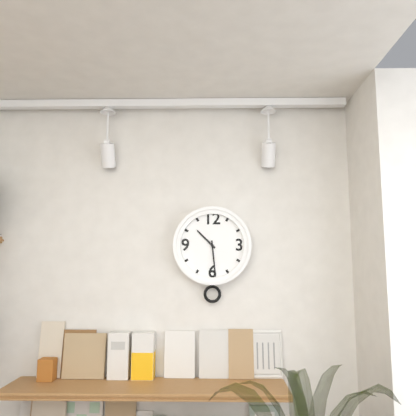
h=10 m=29
